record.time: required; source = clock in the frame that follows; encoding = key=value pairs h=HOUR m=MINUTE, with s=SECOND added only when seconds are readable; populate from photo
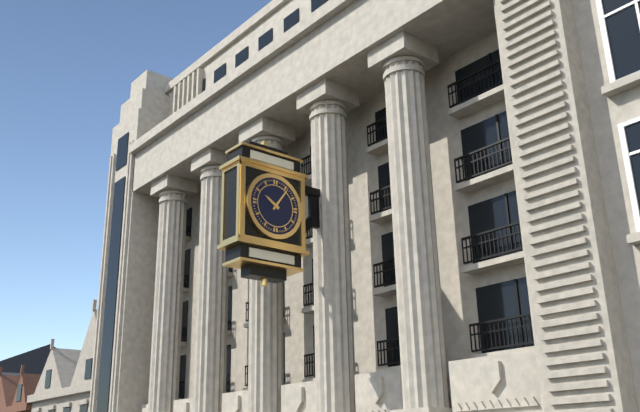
h=10 m=6
